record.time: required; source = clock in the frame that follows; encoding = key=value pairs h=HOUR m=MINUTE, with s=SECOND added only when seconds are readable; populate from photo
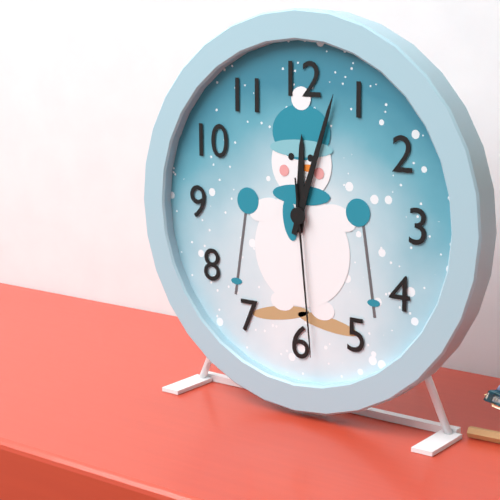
h=12 m=3 s=29
